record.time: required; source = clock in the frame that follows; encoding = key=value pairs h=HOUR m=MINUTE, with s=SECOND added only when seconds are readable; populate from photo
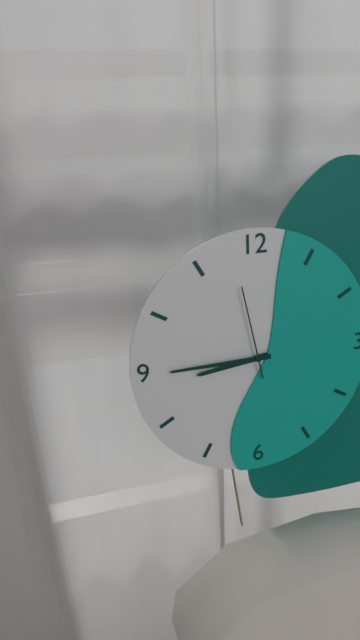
h=8 m=45 s=58
